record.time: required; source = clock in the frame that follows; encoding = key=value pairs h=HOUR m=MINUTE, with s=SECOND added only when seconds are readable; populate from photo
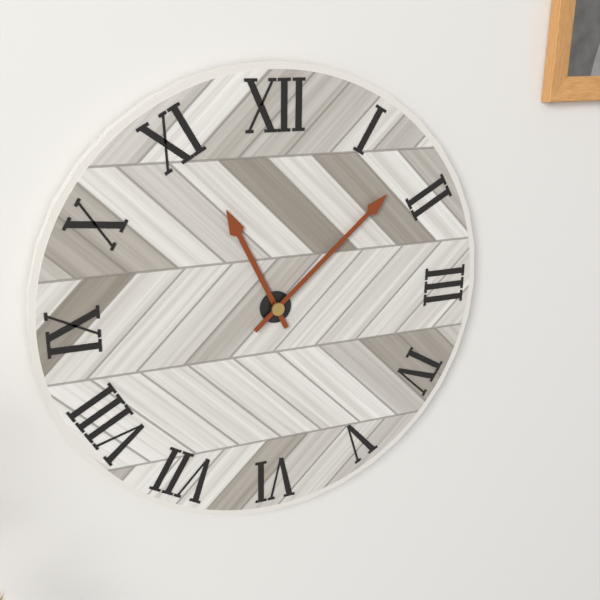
h=11 m=8
